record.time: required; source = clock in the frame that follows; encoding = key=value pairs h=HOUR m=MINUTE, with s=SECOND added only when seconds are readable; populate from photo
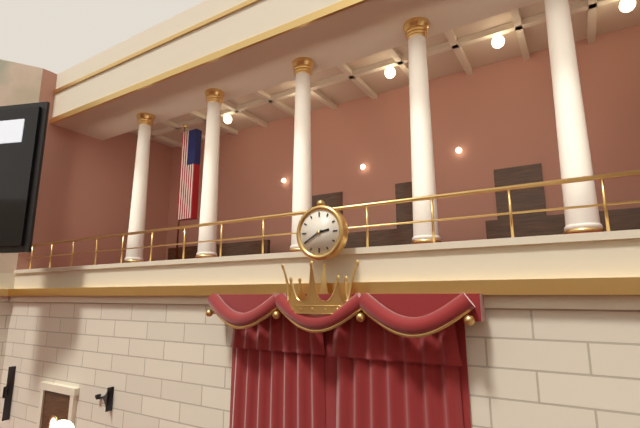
h=2 m=40
